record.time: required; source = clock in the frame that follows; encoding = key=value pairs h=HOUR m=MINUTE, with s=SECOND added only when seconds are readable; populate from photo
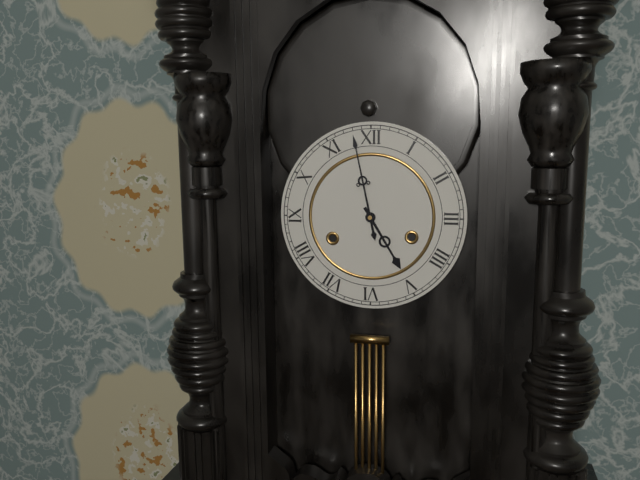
h=4 m=58
